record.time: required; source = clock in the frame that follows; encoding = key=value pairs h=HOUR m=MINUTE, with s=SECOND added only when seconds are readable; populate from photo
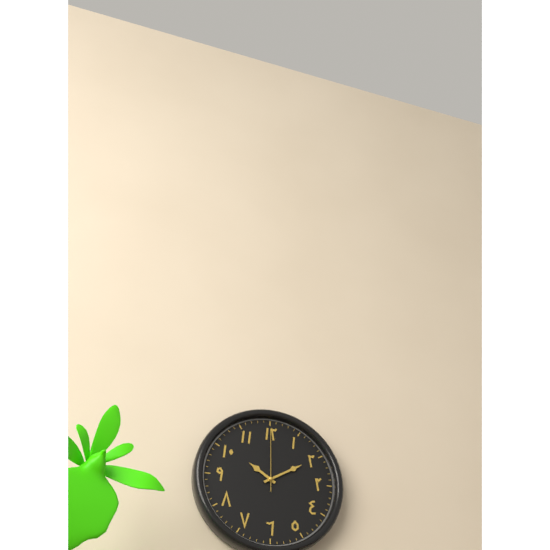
h=10 m=10 s=0
